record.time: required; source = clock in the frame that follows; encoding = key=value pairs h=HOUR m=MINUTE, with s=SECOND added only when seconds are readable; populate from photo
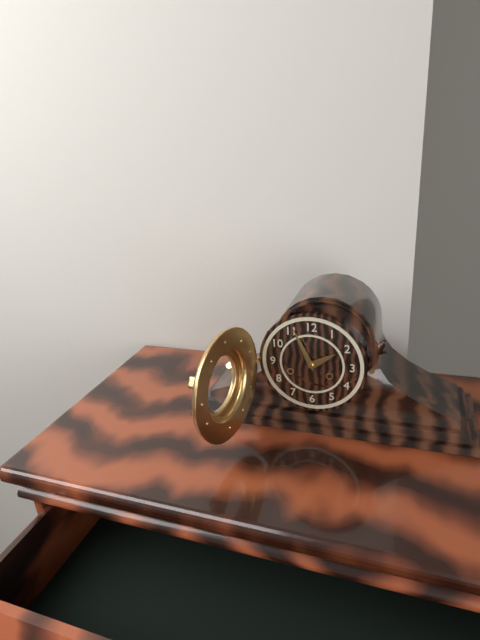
h=1 m=56
